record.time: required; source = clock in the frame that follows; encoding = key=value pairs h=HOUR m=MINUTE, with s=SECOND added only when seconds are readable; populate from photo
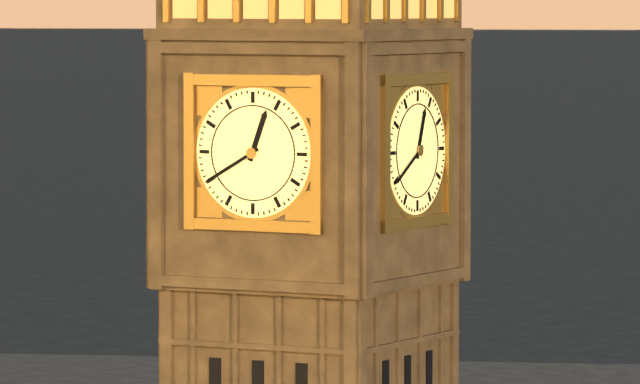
h=12 m=40
